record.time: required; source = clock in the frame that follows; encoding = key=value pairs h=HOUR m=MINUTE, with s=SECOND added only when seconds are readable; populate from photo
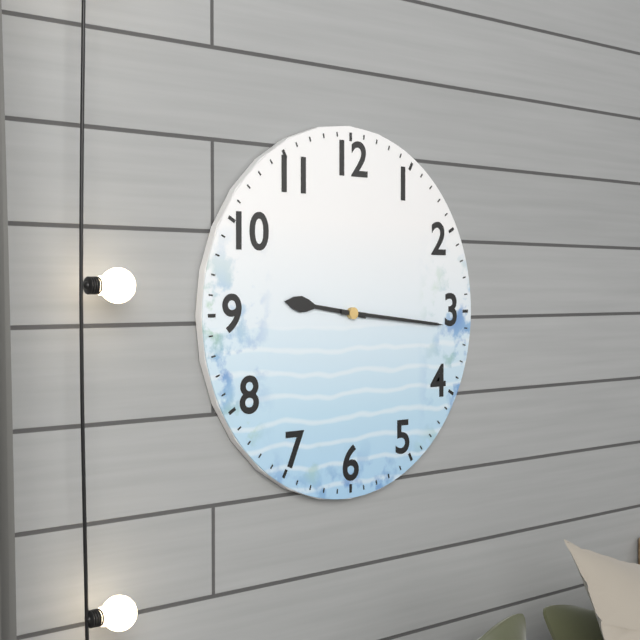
h=9 m=16
